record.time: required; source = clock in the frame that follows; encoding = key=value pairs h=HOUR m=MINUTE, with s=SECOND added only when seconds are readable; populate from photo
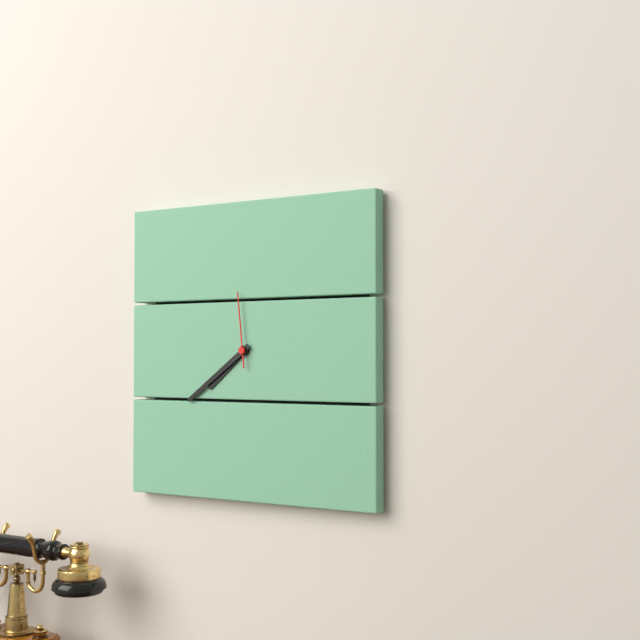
h=7 m=39 s=59
